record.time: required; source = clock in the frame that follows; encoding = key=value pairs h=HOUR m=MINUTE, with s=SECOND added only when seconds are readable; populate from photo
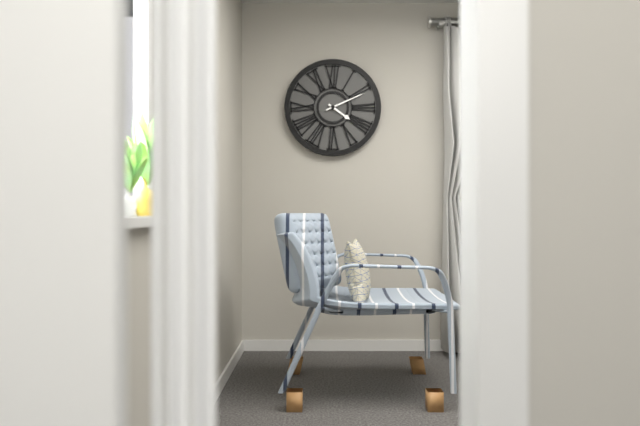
h=4 m=11
